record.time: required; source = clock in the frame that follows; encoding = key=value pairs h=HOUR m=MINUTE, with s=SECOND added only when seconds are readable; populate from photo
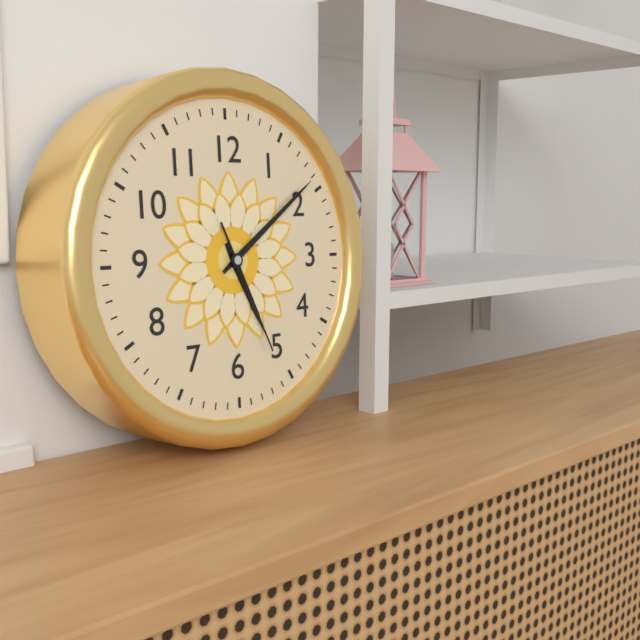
h=5 m=9 s=26
